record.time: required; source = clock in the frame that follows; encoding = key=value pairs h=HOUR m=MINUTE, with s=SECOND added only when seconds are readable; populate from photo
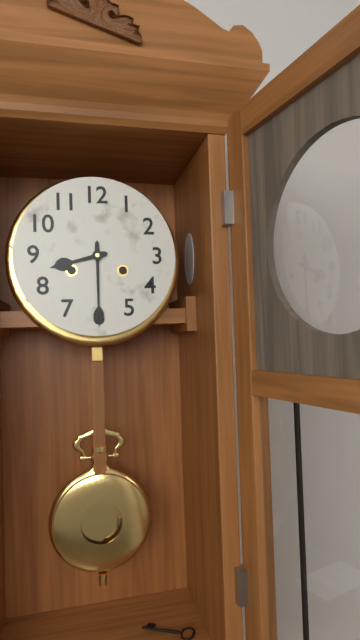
h=8 m=30
